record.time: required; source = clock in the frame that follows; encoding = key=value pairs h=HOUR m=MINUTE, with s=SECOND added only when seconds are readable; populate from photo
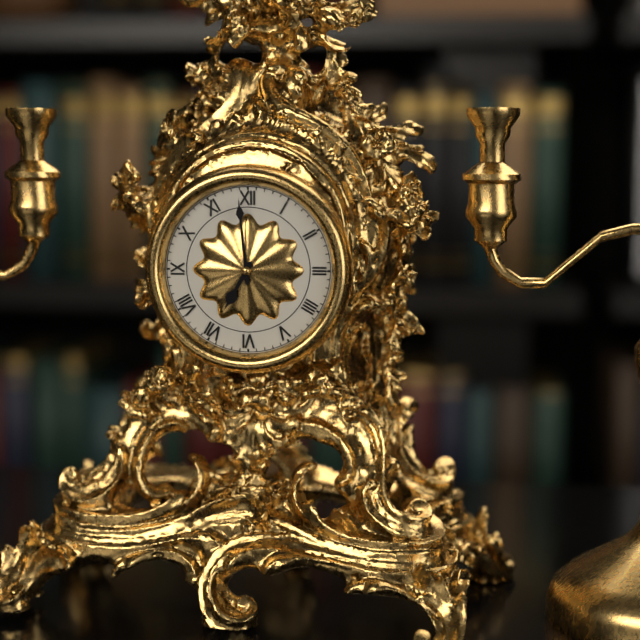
h=6 m=59
